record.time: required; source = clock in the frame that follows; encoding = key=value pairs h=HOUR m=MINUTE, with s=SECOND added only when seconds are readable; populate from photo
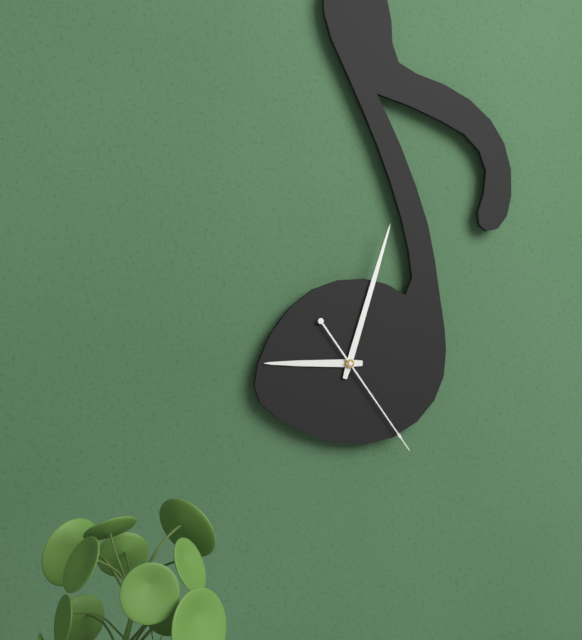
h=9 m=3 s=24
